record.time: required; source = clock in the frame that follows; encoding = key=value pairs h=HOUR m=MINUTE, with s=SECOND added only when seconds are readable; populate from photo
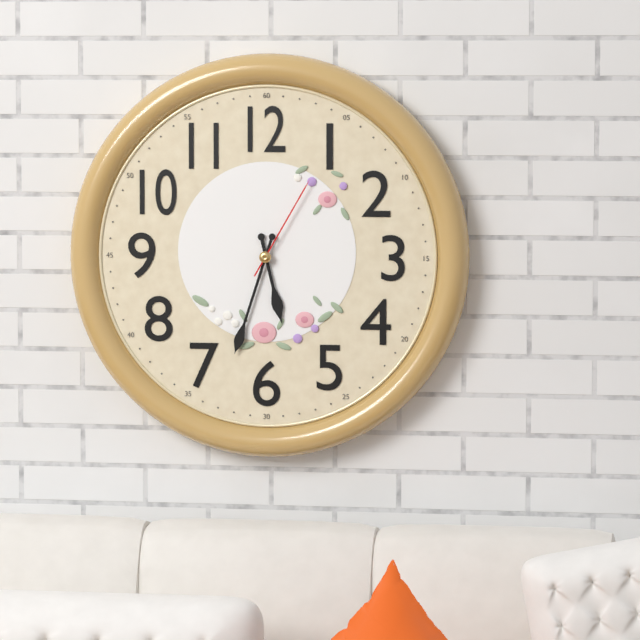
h=5 m=33 s=5
